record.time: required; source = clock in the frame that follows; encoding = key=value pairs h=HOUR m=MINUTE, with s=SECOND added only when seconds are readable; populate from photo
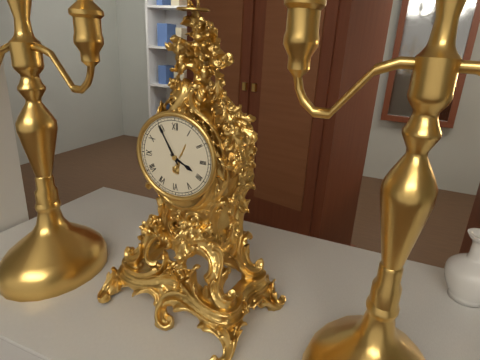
h=3 m=55
